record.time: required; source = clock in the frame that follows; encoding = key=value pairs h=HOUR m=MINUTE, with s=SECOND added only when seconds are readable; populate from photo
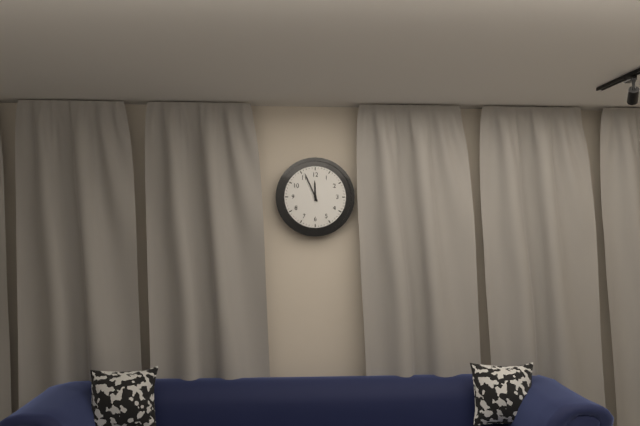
h=11 m=56
